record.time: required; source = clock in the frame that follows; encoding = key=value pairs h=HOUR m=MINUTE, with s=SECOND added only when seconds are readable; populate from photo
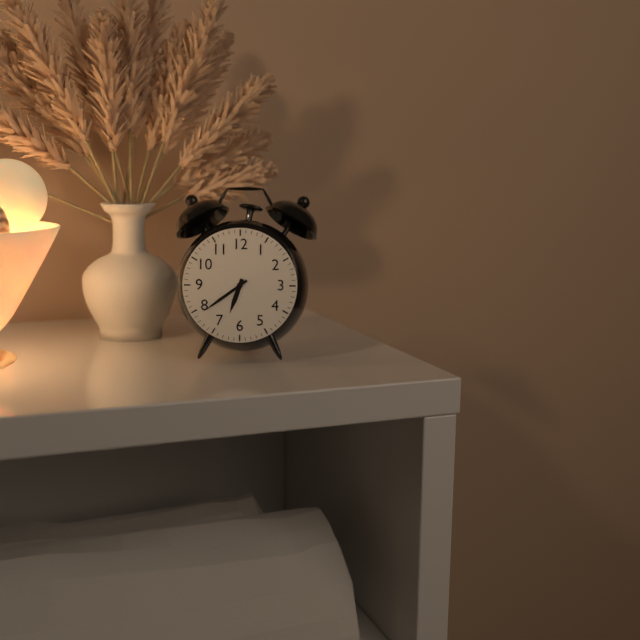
h=6 m=39
